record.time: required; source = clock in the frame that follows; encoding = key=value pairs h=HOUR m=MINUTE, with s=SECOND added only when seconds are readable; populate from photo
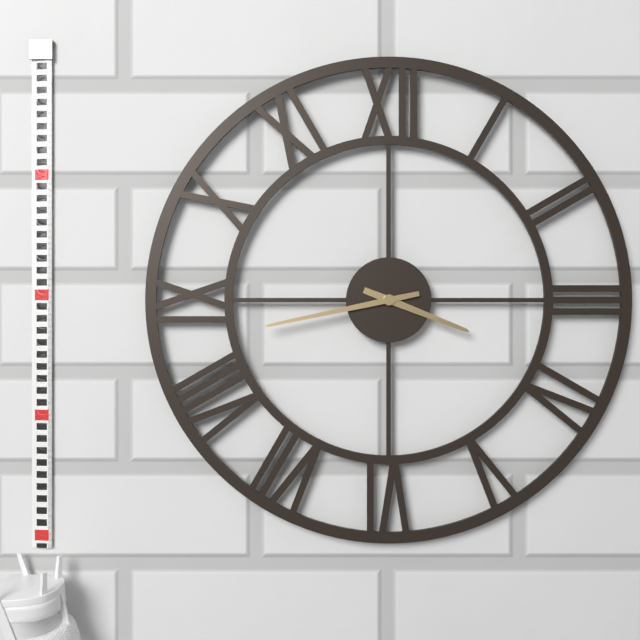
h=3 m=43
